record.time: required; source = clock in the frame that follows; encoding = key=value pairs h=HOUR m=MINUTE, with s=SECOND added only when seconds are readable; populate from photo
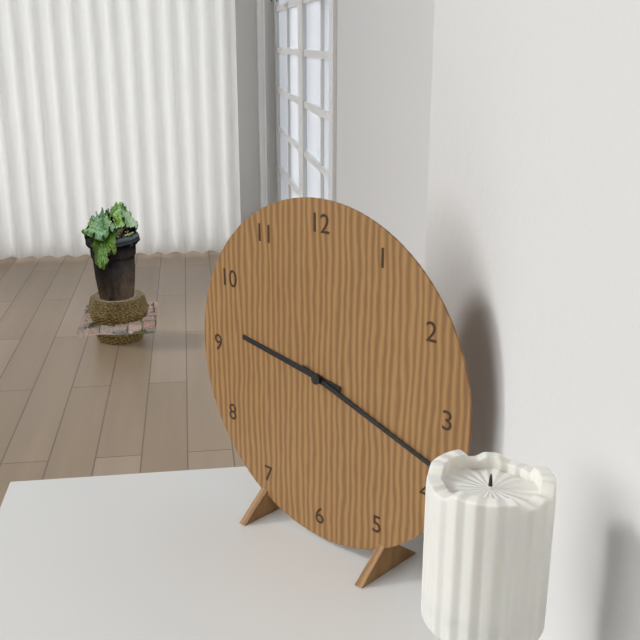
h=9 m=18
